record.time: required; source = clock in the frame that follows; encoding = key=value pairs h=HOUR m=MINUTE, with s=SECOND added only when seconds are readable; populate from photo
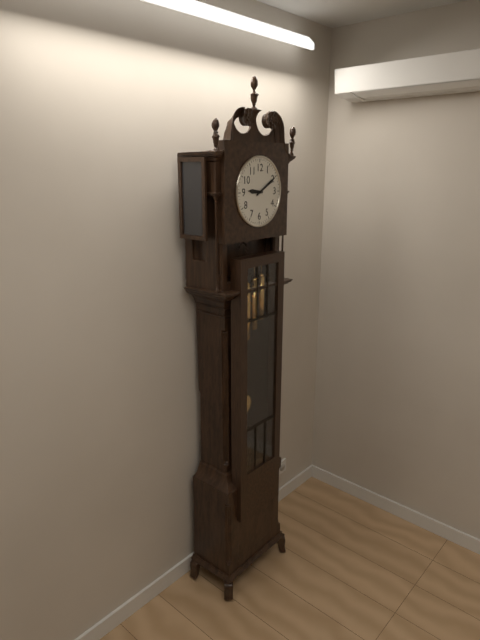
h=9 m=10
